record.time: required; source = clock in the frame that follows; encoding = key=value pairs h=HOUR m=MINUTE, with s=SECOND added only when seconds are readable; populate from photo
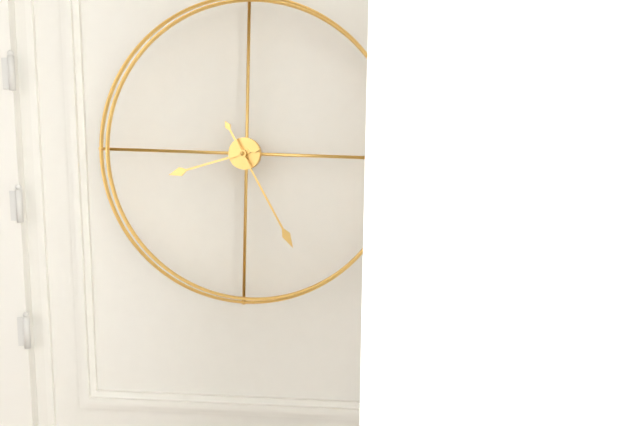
h=8 m=25
